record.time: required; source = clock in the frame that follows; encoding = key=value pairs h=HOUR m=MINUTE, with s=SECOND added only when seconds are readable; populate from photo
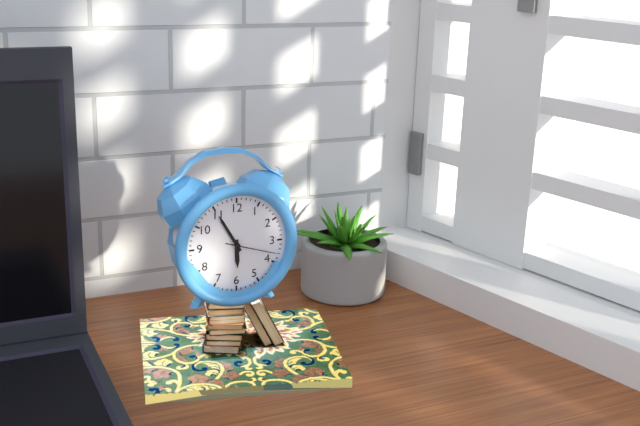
h=5 m=55
